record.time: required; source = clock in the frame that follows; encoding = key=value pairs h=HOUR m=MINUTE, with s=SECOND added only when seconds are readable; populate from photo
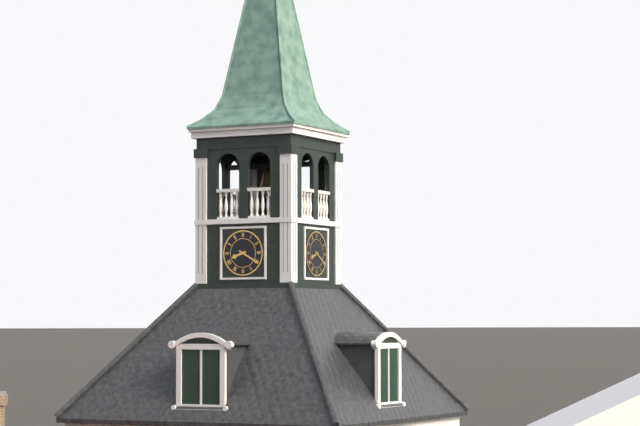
h=8 m=20
